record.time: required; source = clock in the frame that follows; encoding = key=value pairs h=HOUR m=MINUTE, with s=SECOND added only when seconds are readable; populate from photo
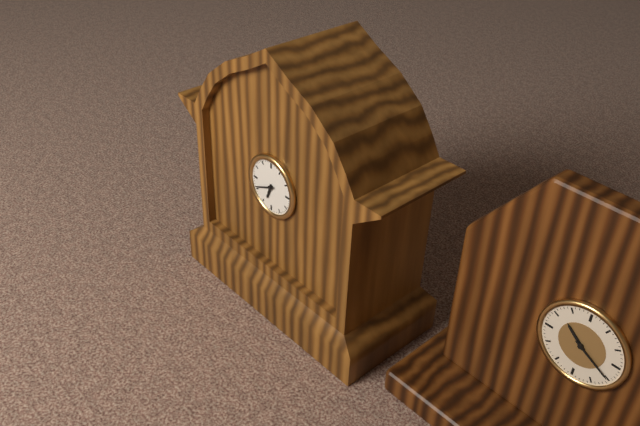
h=6 m=41
